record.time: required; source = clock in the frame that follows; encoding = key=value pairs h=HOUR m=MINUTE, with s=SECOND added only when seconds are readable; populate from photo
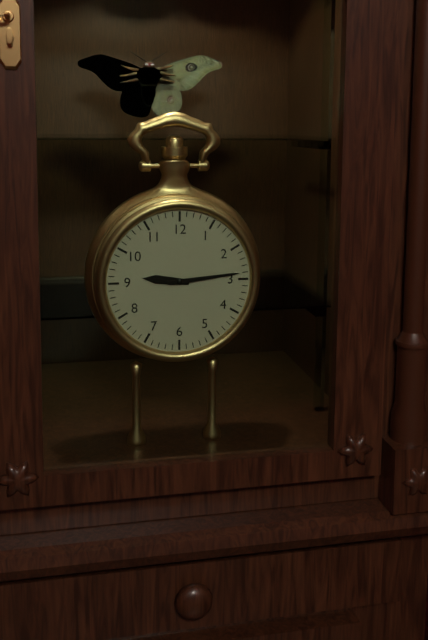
h=9 m=14
